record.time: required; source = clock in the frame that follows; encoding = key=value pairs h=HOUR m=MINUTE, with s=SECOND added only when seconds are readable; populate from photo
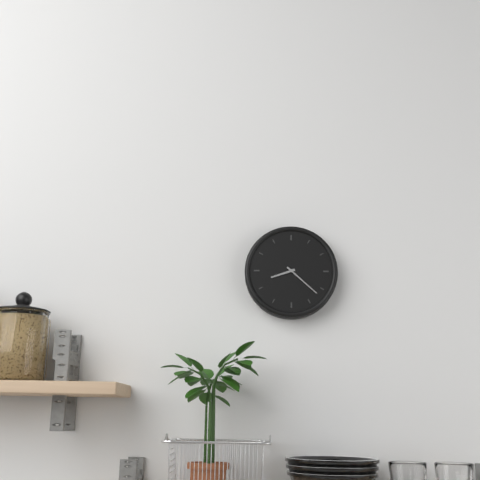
h=8 m=22
